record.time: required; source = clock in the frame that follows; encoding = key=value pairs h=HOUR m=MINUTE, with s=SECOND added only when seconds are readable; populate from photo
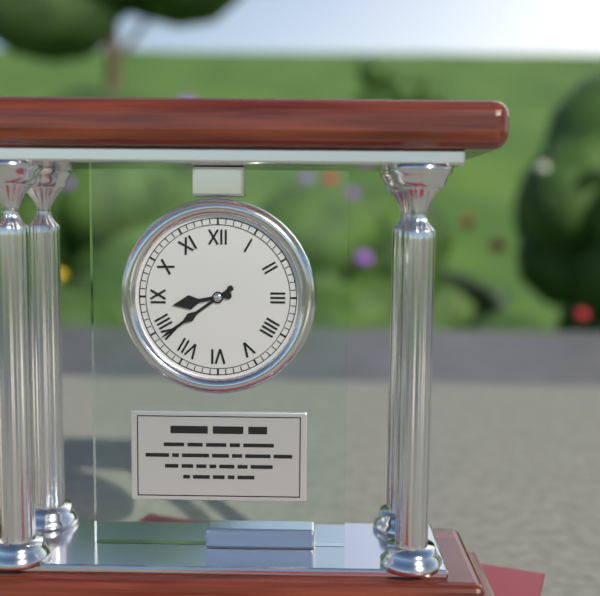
h=8 m=39
